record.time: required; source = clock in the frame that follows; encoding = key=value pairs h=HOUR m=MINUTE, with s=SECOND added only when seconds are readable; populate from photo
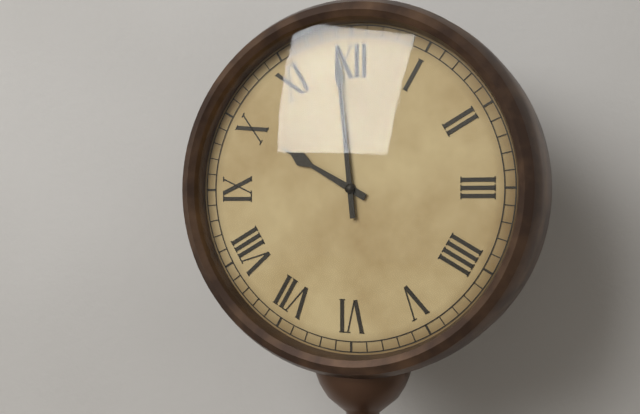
h=9 m=59
